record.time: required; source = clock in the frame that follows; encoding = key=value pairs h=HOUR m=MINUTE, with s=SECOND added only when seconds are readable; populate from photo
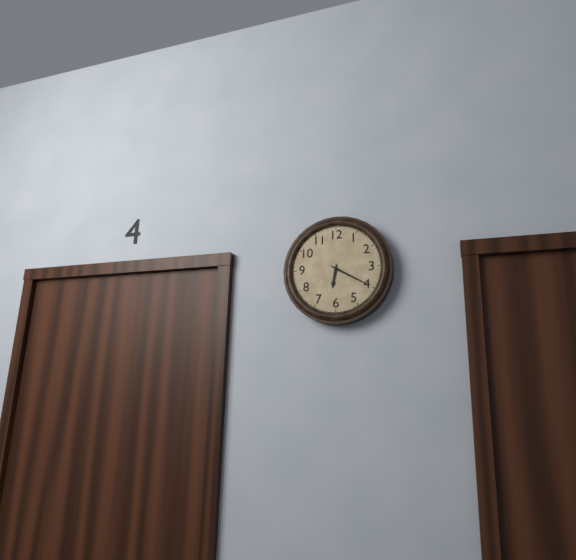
h=6 m=20
